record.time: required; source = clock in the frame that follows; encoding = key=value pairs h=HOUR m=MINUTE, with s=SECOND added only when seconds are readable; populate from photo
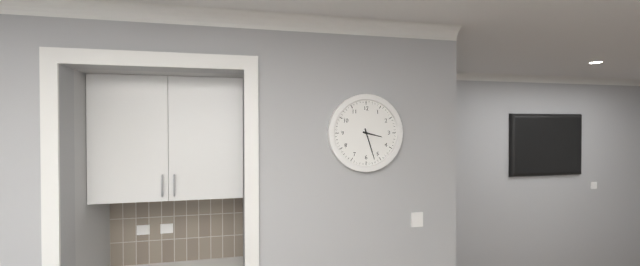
h=3 m=27
